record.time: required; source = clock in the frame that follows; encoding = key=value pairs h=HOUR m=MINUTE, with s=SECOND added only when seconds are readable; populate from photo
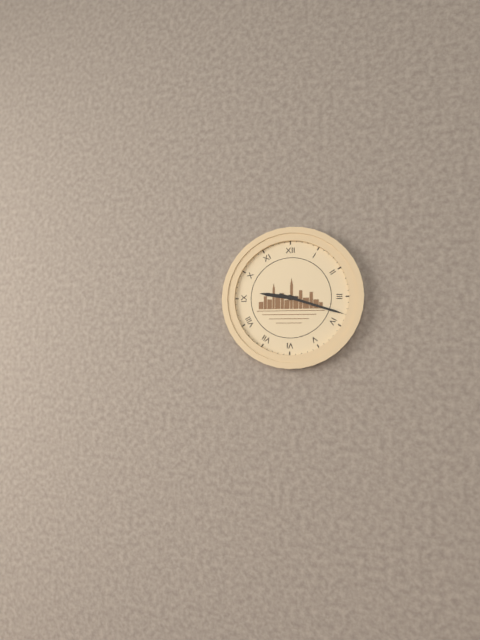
h=9 m=18
